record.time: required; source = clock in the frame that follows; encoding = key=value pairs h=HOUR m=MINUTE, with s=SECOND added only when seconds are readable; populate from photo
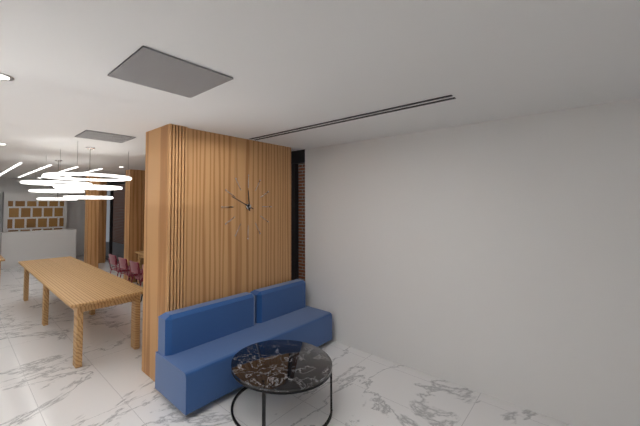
h=11 m=49
